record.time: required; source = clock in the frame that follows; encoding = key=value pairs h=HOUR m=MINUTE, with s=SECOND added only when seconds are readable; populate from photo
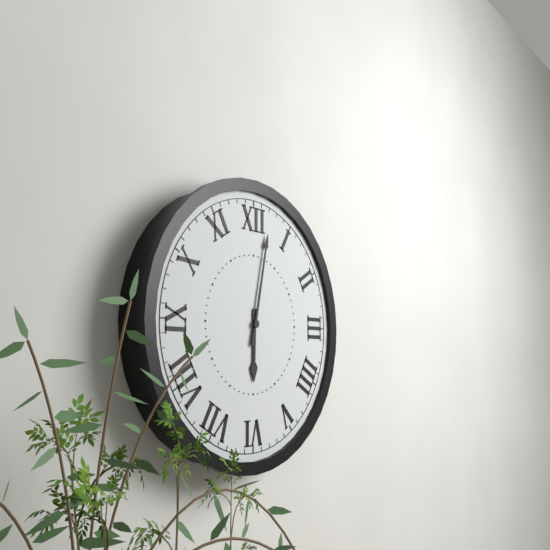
h=6 m=2
